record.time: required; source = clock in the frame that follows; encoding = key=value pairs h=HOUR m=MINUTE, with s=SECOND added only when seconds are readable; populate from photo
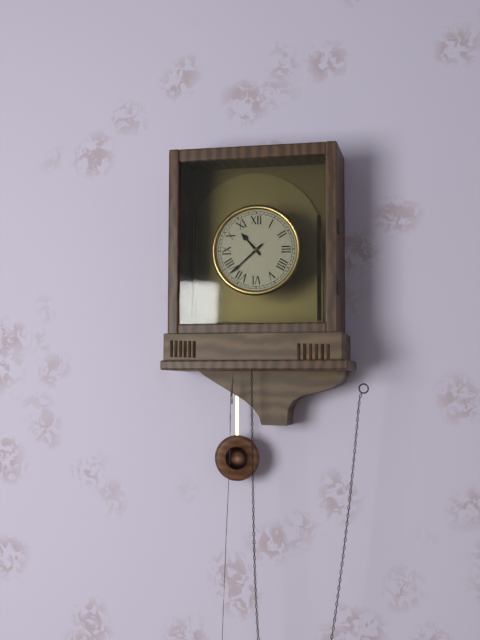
h=10 m=38
